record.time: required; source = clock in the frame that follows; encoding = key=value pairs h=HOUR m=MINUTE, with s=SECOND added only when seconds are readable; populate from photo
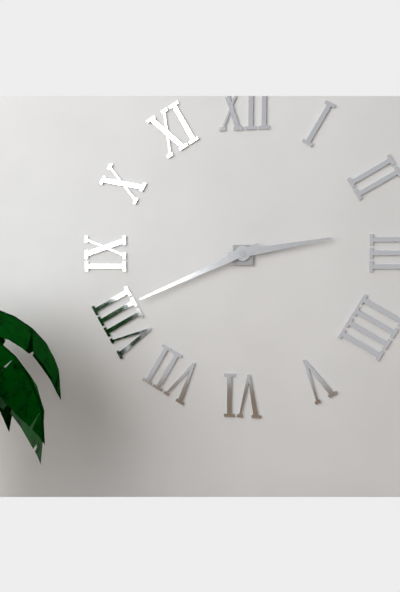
h=2 m=41
